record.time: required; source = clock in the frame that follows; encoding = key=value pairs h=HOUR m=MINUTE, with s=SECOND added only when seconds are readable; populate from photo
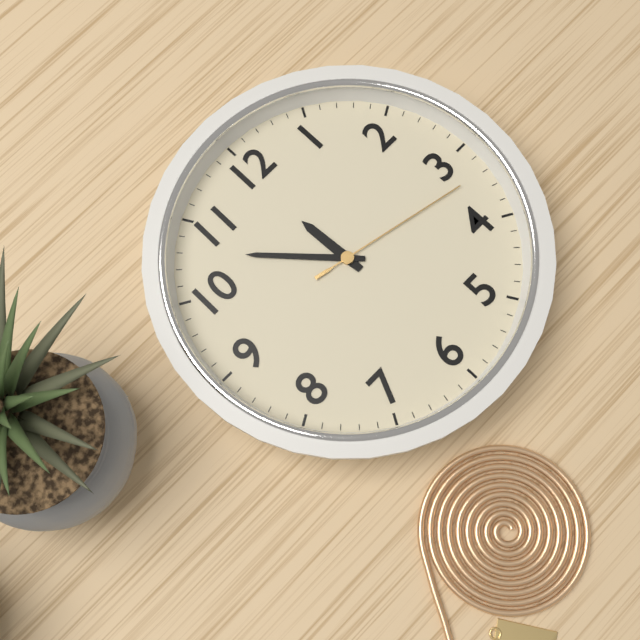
h=11 m=53 s=17
